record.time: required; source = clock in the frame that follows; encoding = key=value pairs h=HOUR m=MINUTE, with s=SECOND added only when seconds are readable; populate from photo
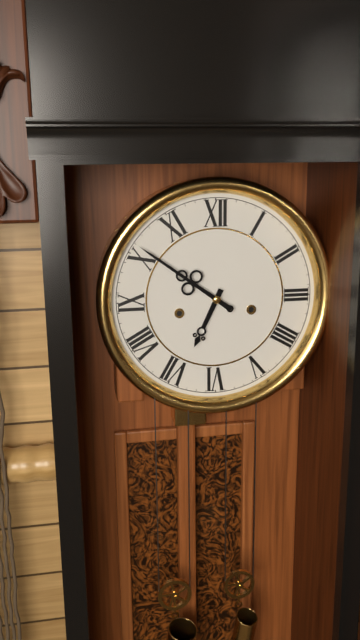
h=6 m=51
